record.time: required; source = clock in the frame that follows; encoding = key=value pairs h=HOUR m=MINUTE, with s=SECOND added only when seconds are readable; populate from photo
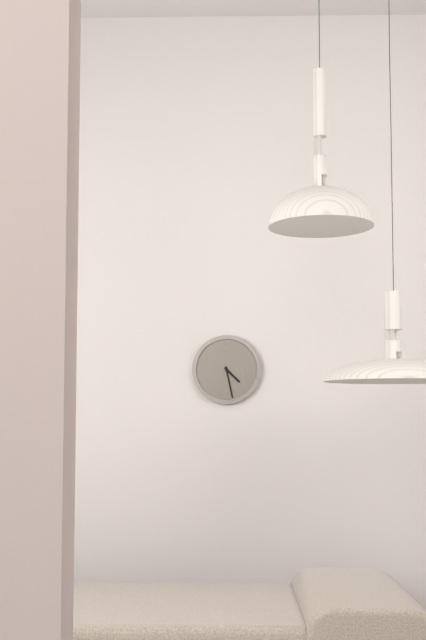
h=4 m=28
